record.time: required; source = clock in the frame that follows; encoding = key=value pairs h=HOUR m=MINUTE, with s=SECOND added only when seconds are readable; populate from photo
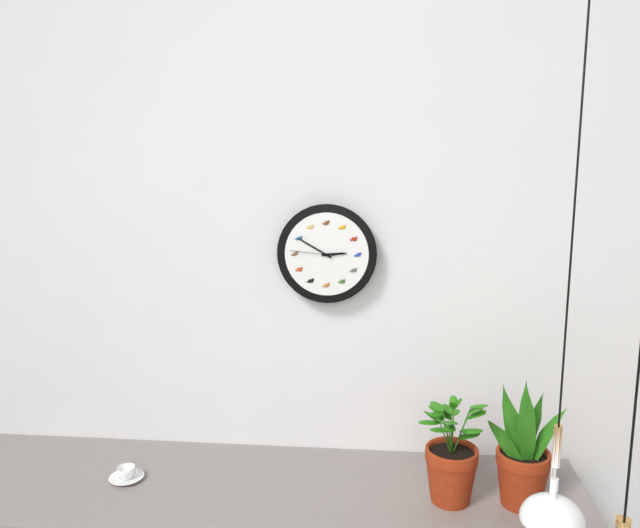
h=2 m=50
